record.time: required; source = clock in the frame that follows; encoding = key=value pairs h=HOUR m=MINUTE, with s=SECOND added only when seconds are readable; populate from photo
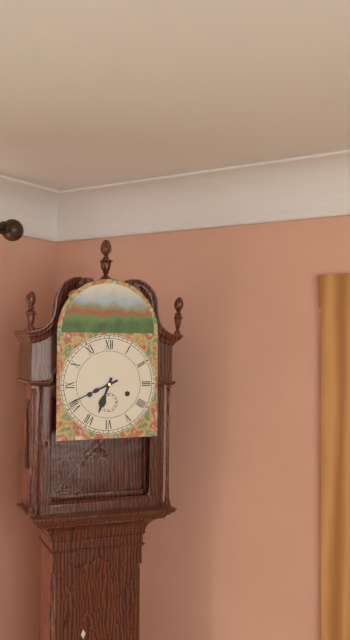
h=6 m=41
